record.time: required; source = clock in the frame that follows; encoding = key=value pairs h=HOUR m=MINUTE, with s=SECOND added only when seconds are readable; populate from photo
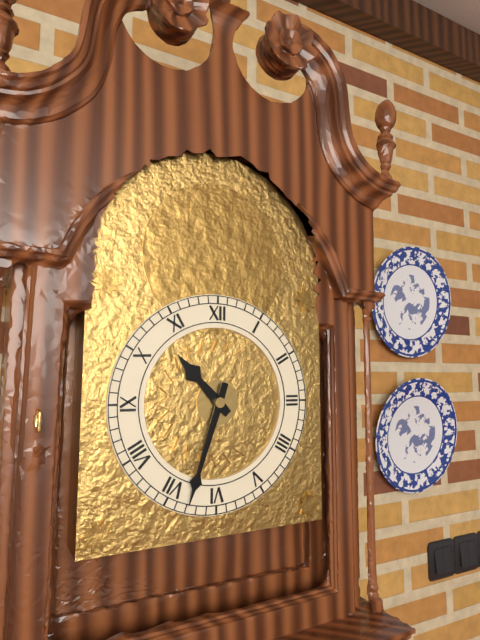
h=10 m=33
